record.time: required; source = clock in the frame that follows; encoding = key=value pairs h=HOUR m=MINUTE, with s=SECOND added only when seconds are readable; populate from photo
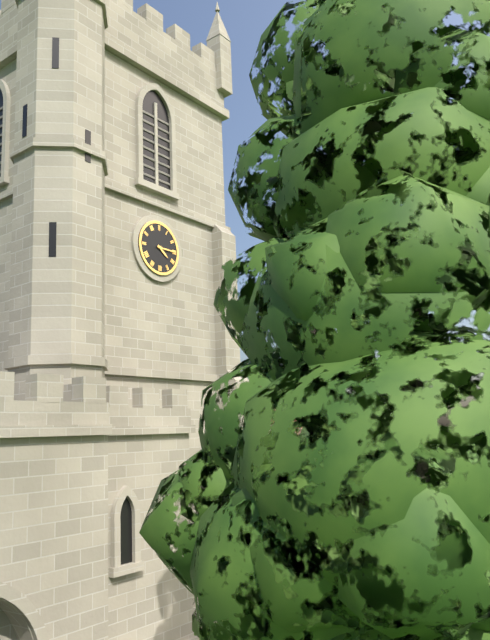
h=4 m=15
